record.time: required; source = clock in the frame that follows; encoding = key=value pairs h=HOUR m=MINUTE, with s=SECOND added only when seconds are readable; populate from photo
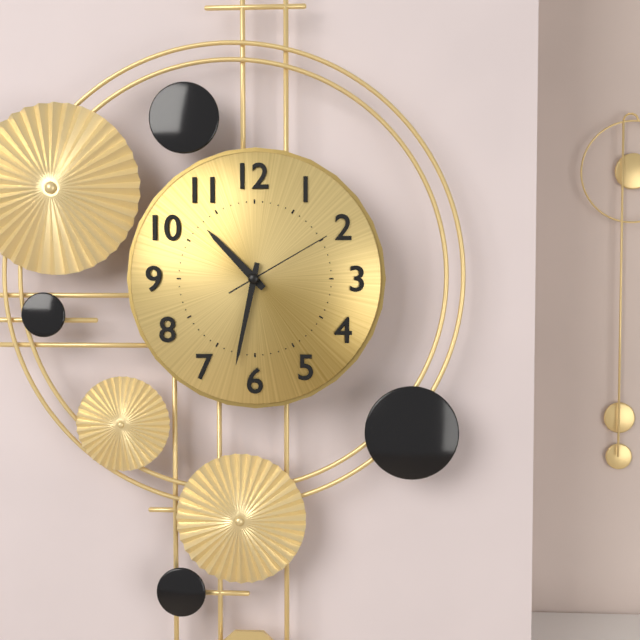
h=10 m=32 s=10
